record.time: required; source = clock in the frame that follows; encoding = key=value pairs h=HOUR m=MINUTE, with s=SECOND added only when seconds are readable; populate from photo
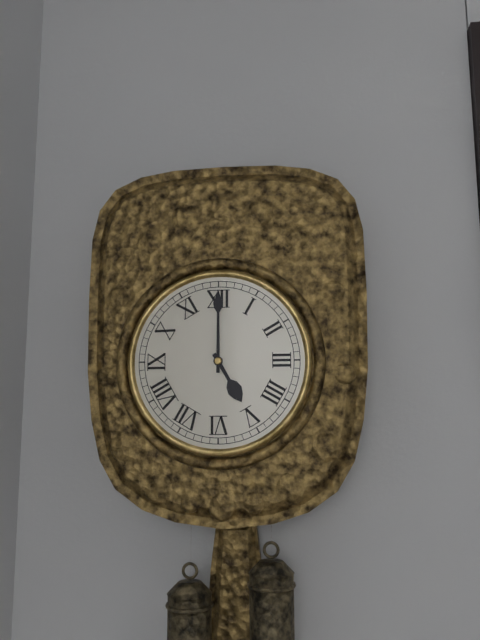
h=5 m=0
